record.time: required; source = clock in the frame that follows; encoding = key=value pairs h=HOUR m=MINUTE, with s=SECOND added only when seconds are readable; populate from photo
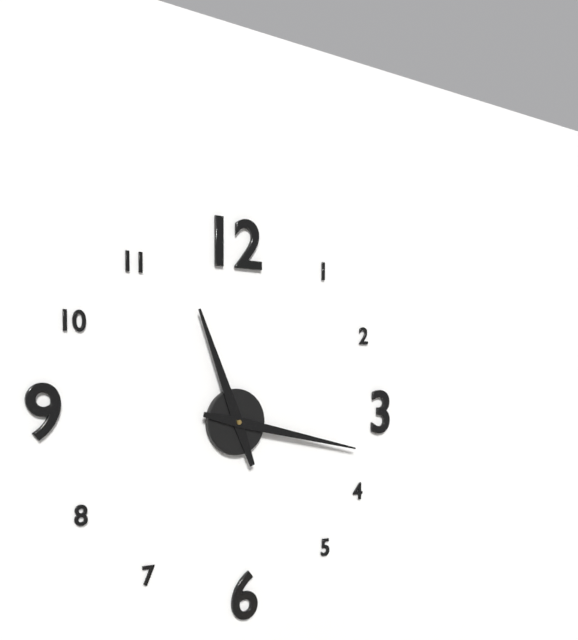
h=11 m=17
